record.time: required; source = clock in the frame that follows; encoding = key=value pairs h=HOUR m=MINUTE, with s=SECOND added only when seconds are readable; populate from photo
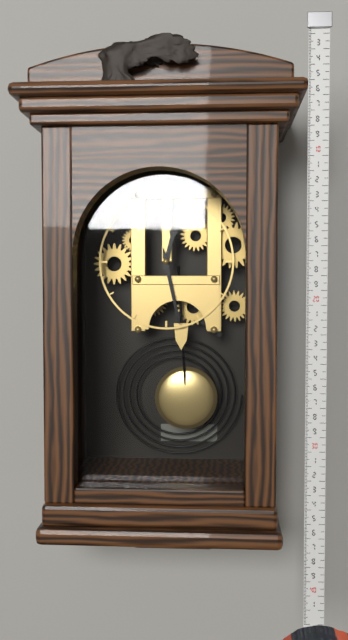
h=12 m=28
